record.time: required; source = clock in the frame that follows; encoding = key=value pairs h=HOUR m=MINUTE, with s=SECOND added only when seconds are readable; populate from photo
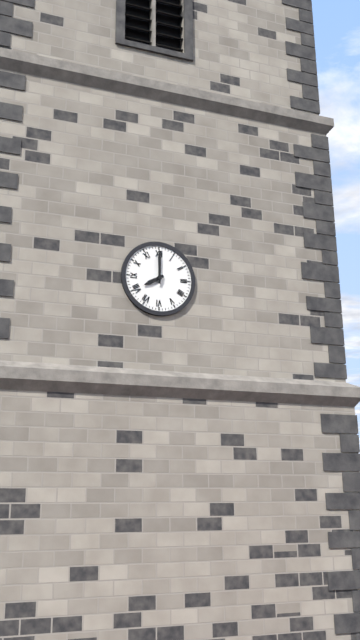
h=8 m=0
